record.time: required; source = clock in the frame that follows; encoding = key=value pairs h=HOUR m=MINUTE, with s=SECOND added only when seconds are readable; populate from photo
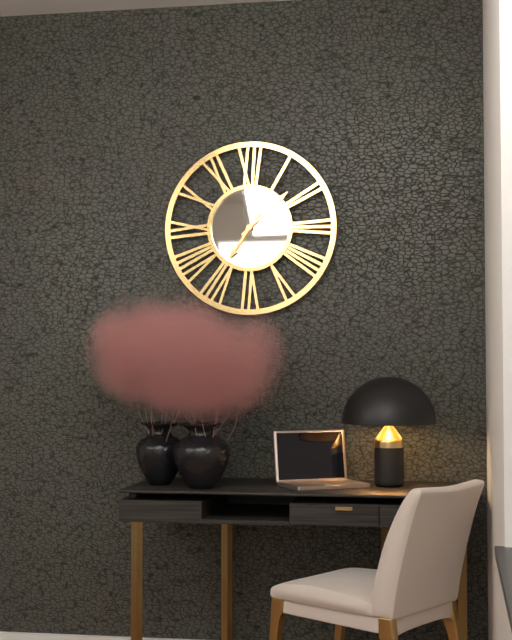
h=7 m=8
